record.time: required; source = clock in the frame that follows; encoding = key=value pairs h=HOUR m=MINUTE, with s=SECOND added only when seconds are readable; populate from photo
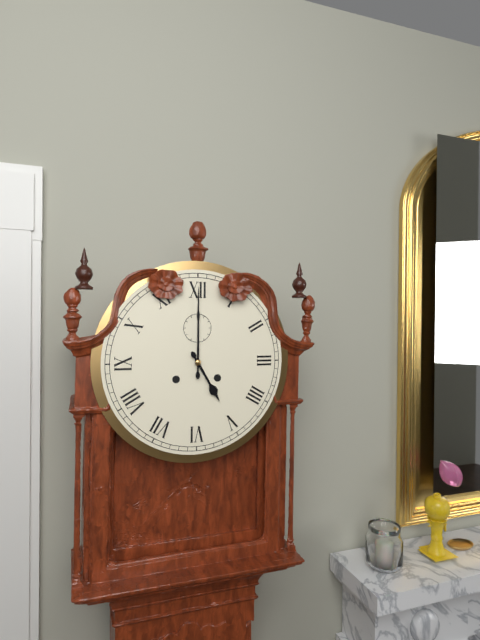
h=5 m=0
